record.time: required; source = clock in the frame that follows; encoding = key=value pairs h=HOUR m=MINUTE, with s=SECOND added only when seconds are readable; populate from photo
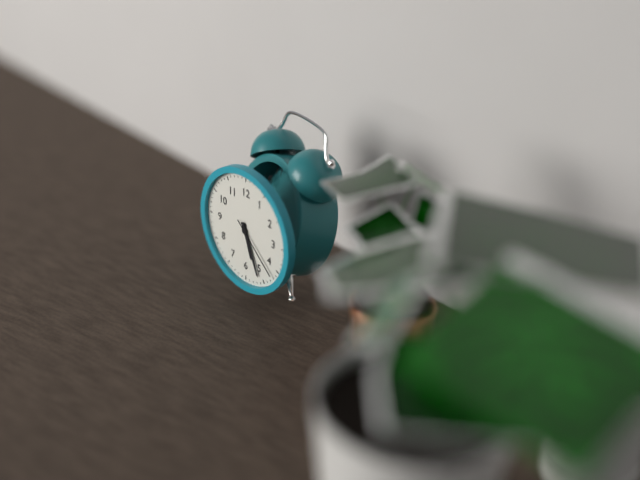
h=5 m=26 s=22
